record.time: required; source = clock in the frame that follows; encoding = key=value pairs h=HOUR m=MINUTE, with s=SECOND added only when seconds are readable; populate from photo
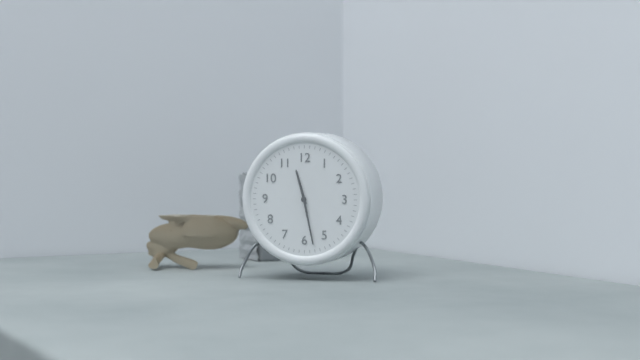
h=11 m=28
